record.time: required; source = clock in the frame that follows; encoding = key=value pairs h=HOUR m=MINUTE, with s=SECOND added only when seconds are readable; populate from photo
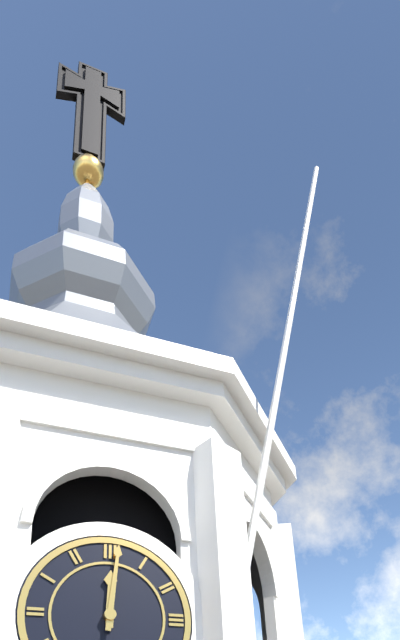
h=12 m=1
